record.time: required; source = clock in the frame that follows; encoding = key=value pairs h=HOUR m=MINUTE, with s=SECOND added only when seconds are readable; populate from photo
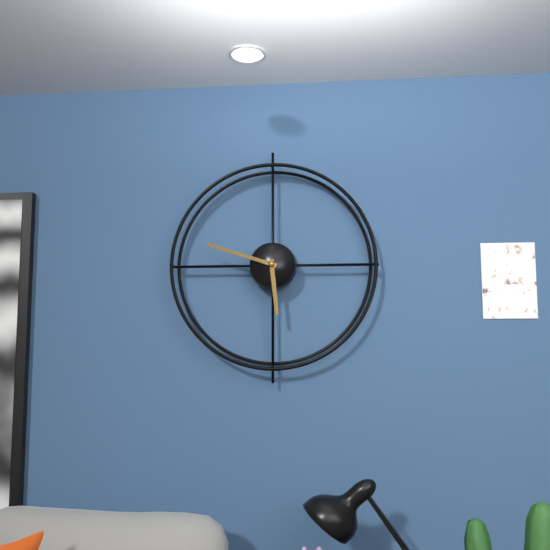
h=5 m=48
